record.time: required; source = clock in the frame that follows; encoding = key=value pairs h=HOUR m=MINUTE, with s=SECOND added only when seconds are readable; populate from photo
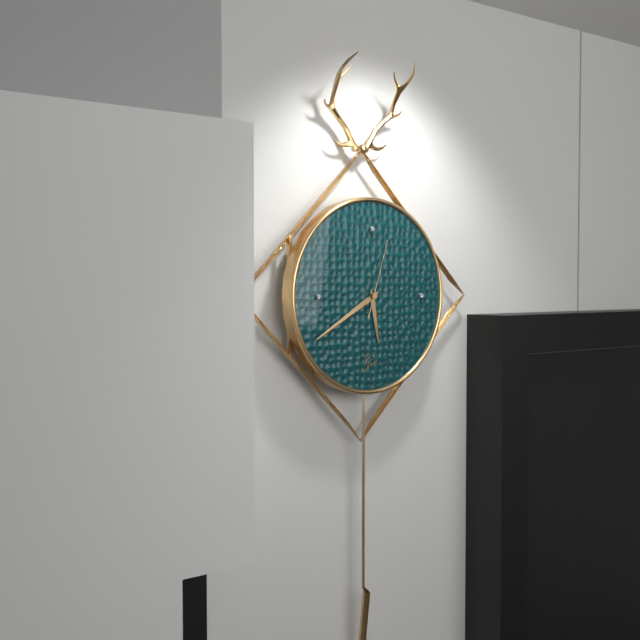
h=5 m=40 s=3
